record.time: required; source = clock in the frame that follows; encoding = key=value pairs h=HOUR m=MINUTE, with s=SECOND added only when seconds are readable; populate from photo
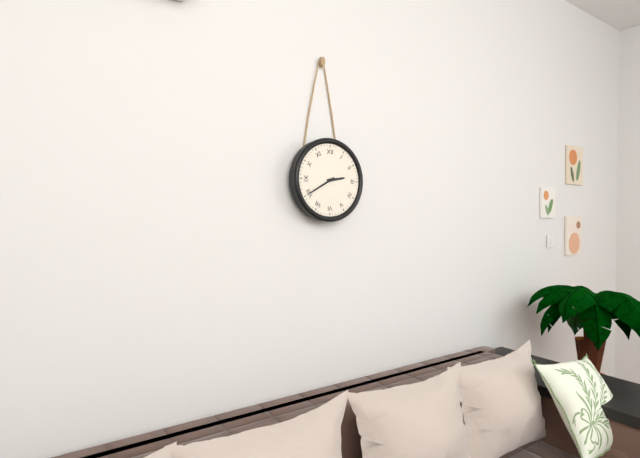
h=2 m=40
